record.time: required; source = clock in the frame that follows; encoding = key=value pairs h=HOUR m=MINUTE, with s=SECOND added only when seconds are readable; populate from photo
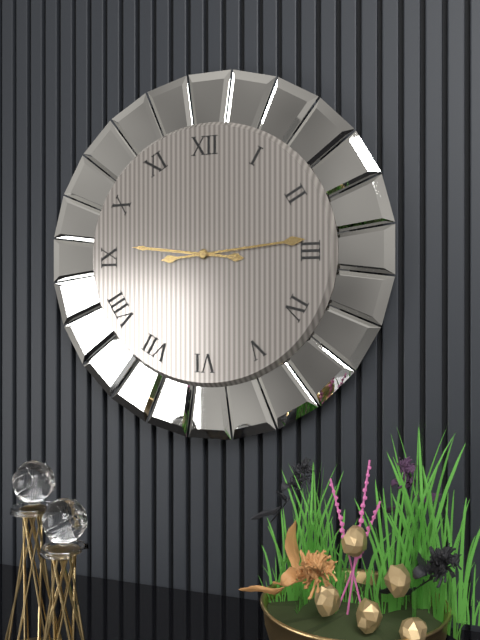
h=9 m=14
